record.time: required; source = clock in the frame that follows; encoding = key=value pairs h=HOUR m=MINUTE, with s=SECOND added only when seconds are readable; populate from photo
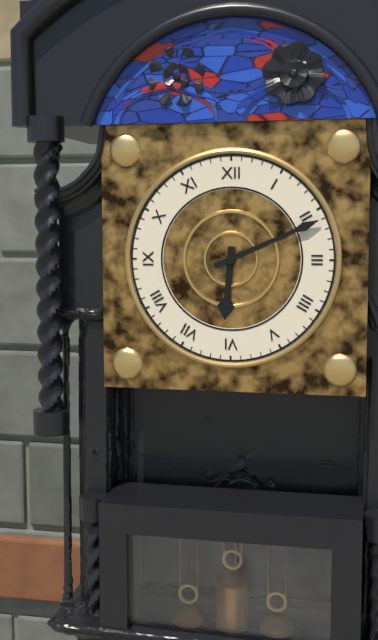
h=6 m=11
